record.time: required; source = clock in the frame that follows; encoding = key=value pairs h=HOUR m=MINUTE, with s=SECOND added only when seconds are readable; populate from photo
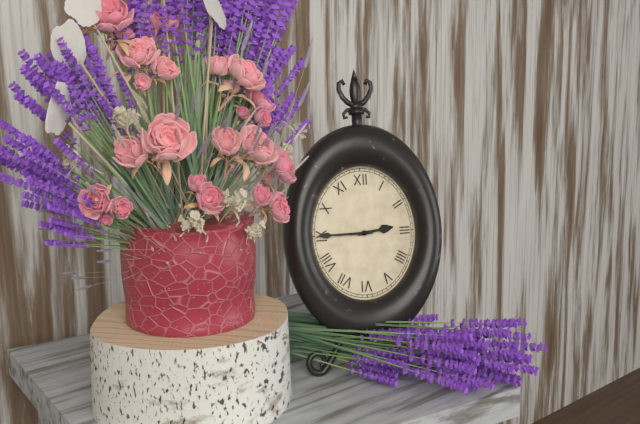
h=2 m=45
